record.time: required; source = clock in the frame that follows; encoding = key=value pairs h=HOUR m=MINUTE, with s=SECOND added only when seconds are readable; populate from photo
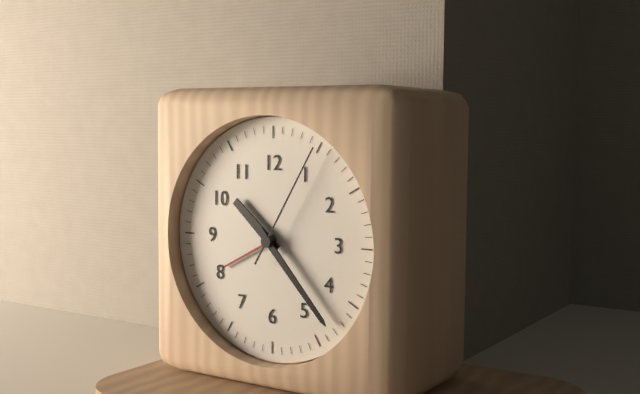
h=10 m=23 s=5
